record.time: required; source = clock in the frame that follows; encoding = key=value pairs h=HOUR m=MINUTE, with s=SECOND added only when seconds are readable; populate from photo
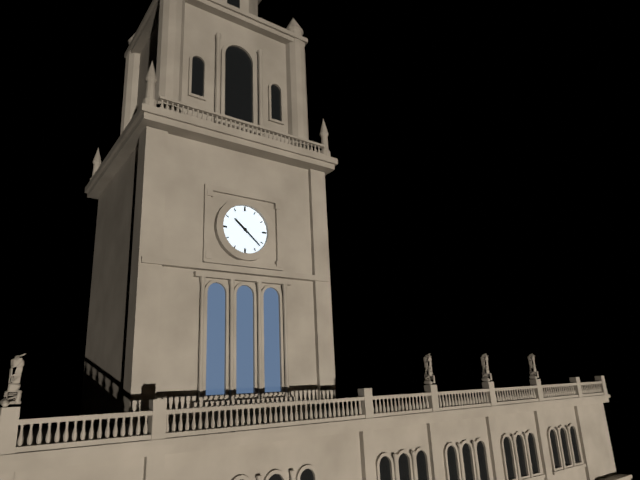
h=10 m=22
